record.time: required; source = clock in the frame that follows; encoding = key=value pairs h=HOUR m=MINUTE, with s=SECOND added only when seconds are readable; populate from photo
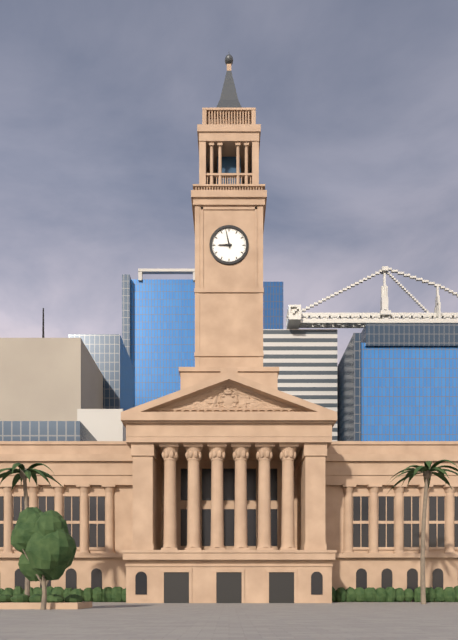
h=8 m=58
